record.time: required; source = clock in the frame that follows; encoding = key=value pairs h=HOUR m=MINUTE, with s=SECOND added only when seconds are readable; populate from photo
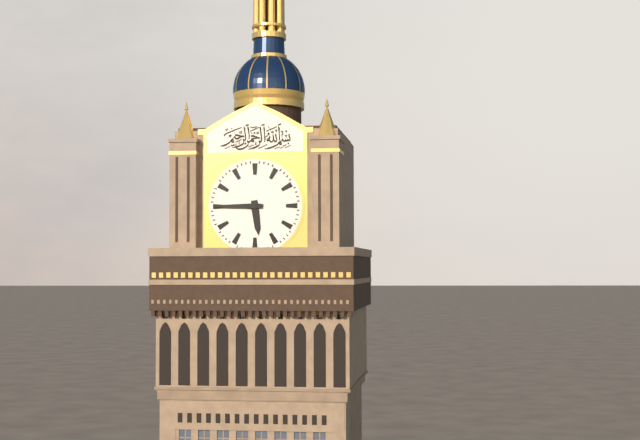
h=5 m=45
